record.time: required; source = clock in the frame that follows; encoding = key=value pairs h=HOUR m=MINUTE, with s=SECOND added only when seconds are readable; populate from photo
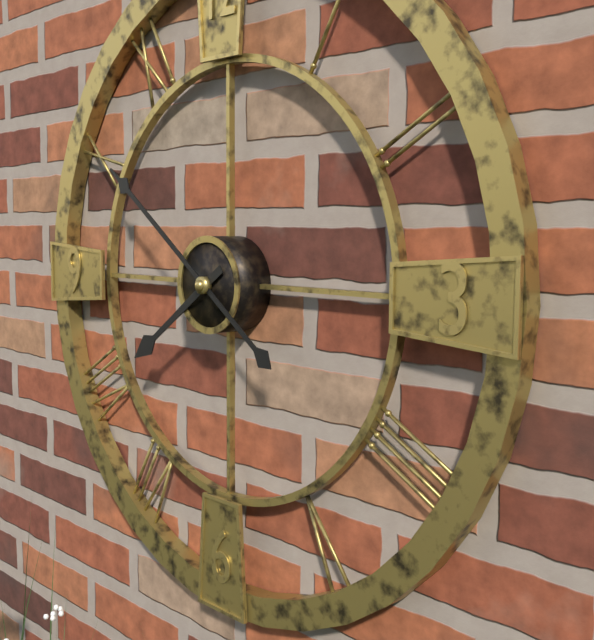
h=7 m=51
